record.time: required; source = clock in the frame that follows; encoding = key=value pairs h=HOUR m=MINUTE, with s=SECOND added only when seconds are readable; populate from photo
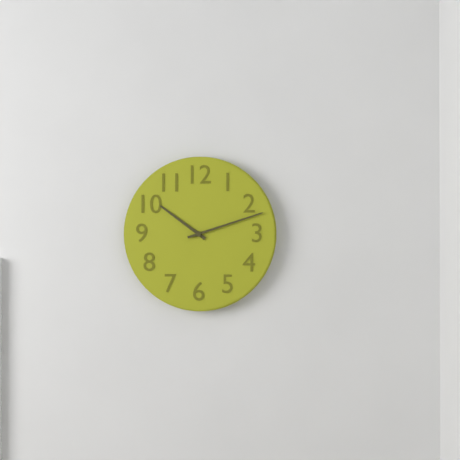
h=10 m=12
